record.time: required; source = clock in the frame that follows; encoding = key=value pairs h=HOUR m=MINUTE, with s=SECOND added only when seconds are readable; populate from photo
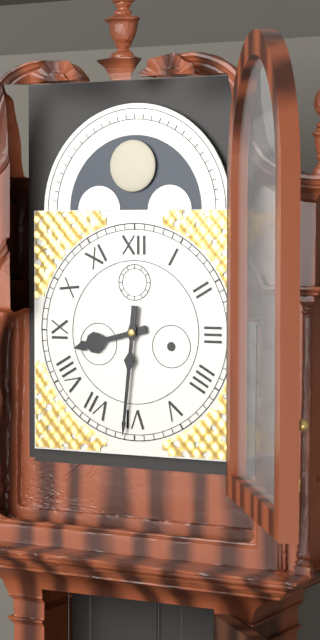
h=8 m=31
